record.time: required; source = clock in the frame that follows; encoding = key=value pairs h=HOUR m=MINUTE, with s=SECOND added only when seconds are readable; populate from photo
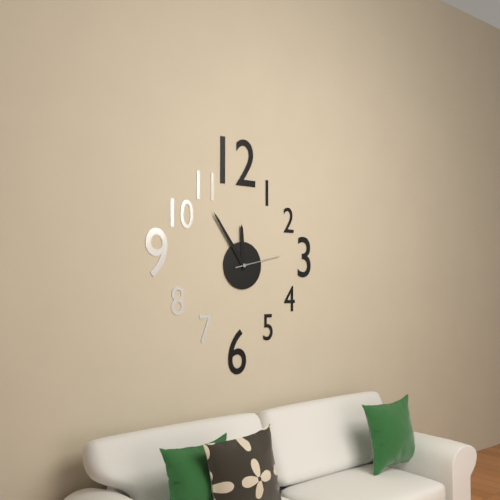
h=11 m=54
